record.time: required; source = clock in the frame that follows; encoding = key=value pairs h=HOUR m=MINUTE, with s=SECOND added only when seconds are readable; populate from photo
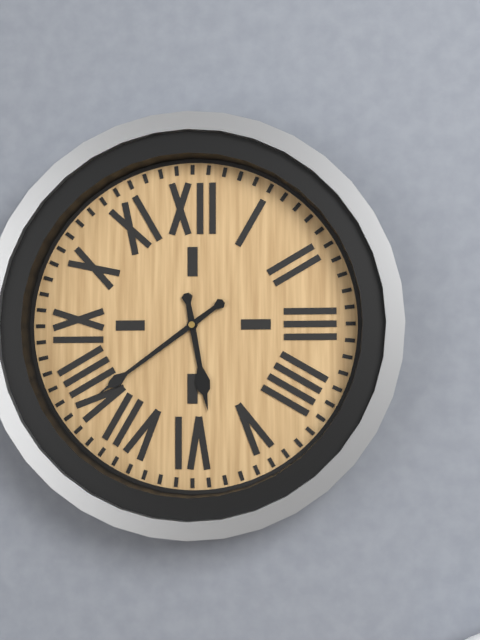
h=5 m=39
